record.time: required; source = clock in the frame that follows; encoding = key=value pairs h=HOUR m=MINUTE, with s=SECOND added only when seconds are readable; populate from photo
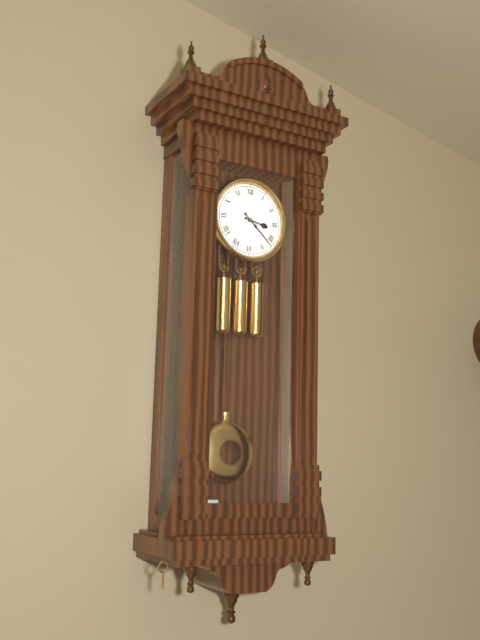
h=3 m=22
